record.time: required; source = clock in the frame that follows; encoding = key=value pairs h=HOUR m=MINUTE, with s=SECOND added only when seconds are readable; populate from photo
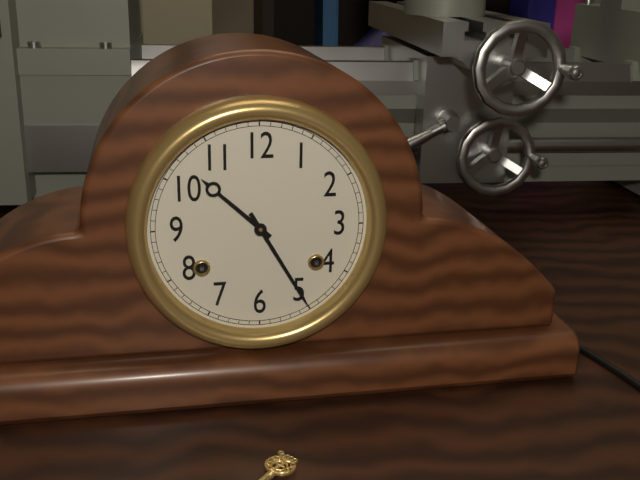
h=10 m=25
